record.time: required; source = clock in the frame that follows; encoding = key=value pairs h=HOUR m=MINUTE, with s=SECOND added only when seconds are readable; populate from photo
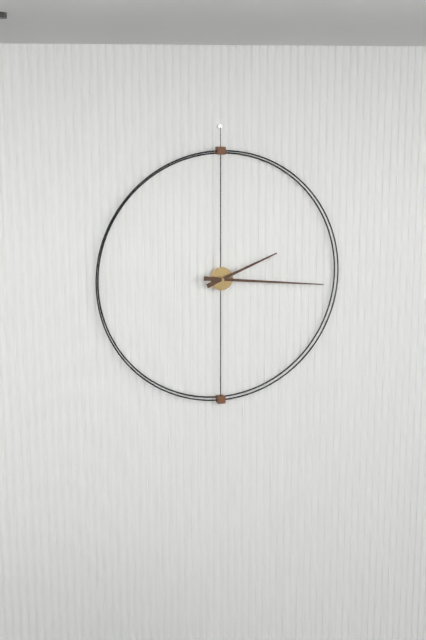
h=2 m=16
